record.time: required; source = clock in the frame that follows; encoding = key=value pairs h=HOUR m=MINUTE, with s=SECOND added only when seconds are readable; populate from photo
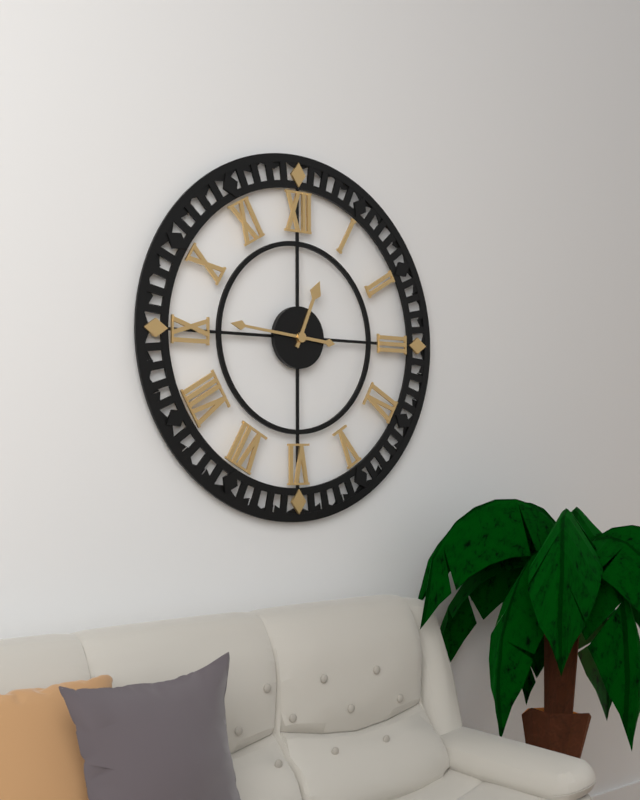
h=12 m=46
